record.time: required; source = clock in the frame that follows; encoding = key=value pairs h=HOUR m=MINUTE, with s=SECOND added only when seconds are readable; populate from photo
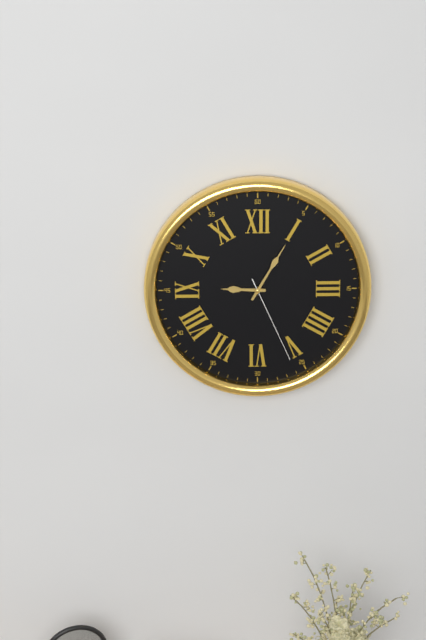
h=9 m=5 s=26
